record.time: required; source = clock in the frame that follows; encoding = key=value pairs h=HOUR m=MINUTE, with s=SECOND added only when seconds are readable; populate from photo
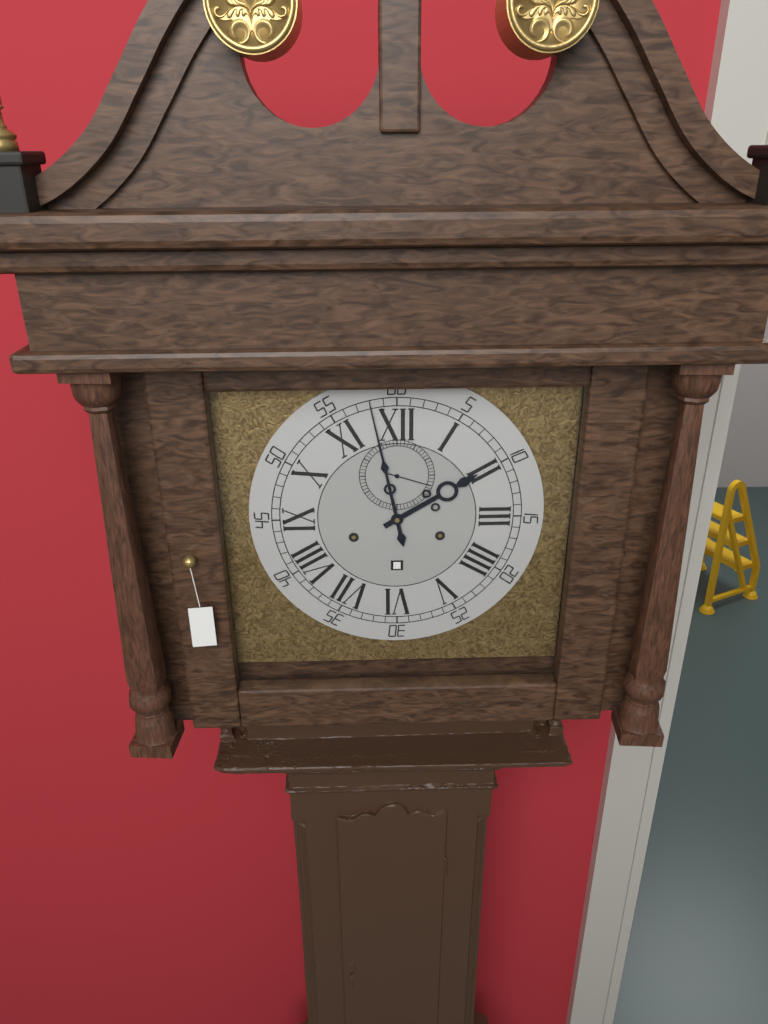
h=1 m=58
